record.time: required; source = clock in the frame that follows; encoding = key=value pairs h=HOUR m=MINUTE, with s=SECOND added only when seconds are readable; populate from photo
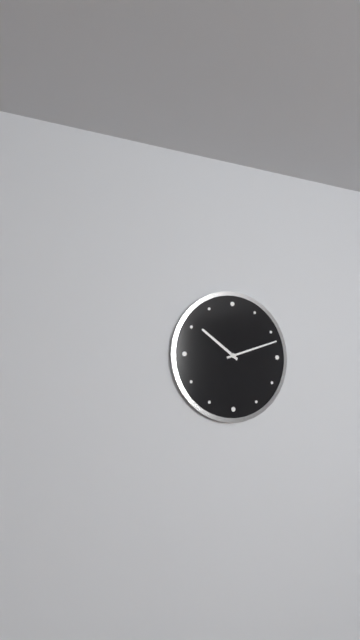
h=10 m=12
